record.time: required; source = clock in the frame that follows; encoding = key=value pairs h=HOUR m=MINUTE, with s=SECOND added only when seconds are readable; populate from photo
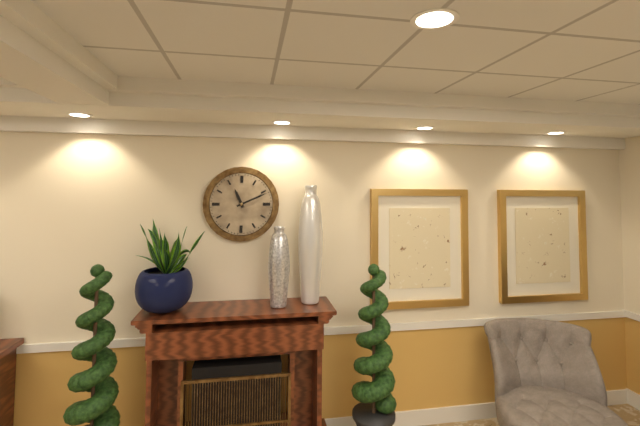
h=11 m=11
